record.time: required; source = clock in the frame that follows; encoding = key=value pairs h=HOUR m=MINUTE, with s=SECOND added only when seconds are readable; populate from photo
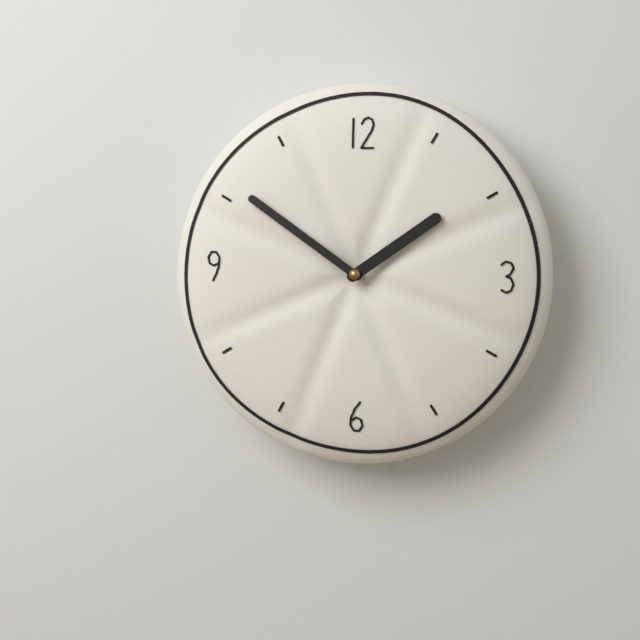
h=1 m=51
